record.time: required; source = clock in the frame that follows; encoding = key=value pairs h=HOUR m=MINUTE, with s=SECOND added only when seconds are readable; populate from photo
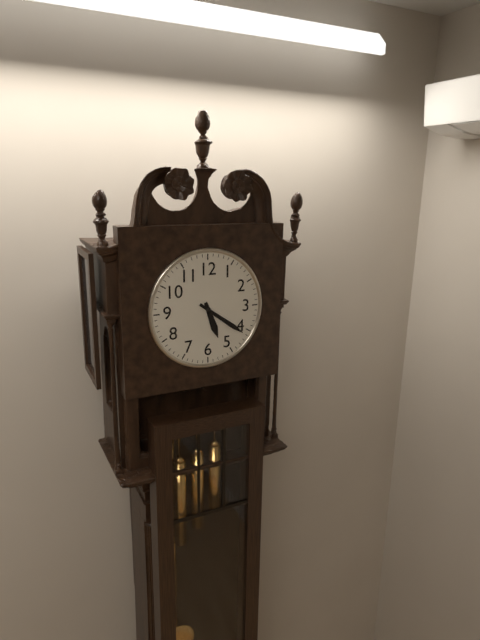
h=5 m=21
